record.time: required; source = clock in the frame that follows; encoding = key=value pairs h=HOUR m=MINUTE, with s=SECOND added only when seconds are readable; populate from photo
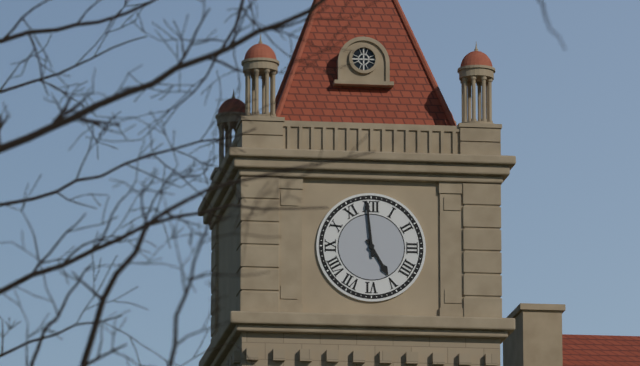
h=4 m=59
